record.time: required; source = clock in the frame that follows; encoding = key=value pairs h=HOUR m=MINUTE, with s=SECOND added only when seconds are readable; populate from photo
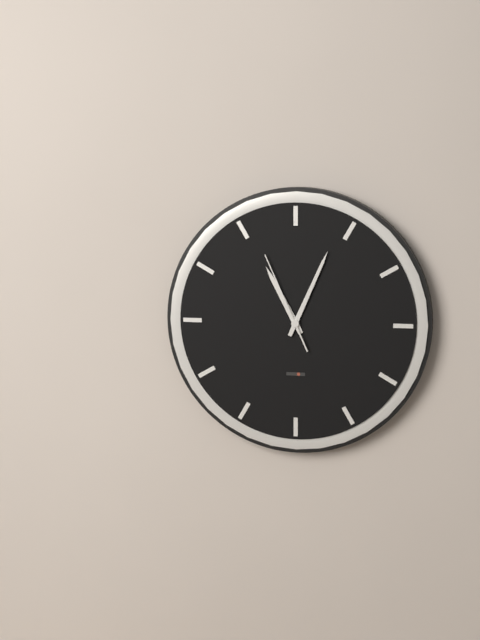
h=11 m=4 s=56
